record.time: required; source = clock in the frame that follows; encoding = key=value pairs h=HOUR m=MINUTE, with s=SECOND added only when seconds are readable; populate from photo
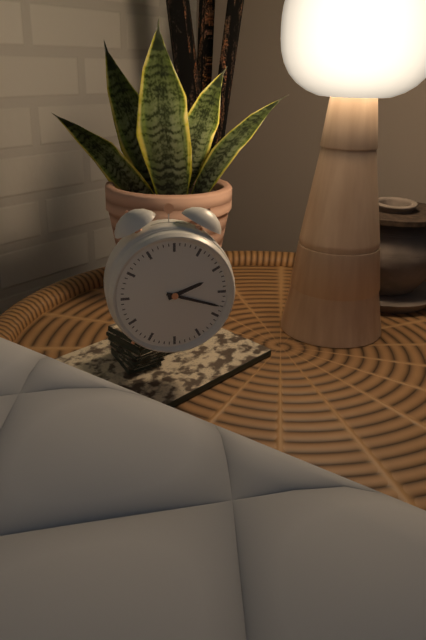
h=2 m=18
